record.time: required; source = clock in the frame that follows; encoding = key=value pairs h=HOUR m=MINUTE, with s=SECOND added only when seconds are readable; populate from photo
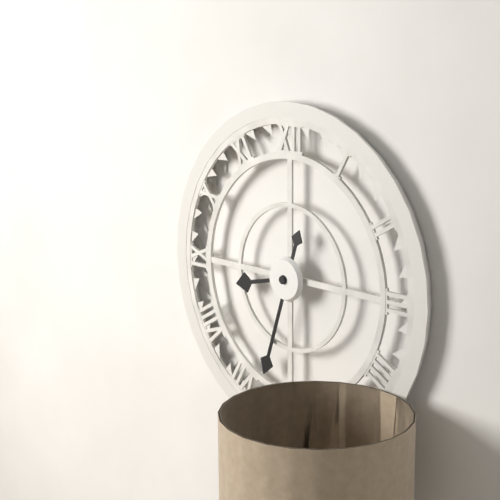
h=8 m=33
